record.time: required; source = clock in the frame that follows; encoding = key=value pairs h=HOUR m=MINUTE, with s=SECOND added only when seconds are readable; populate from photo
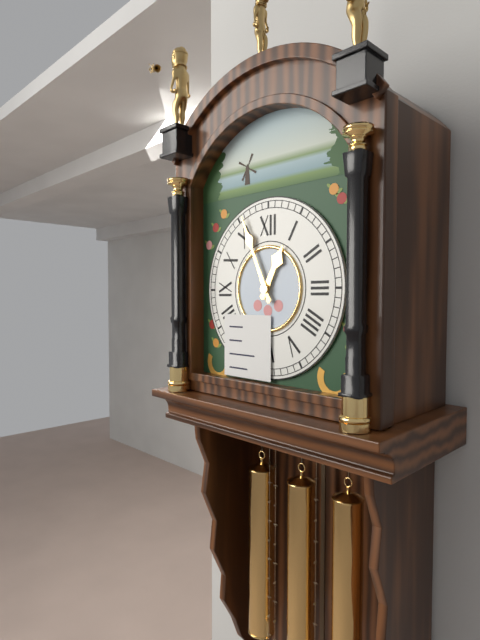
h=12 m=56
